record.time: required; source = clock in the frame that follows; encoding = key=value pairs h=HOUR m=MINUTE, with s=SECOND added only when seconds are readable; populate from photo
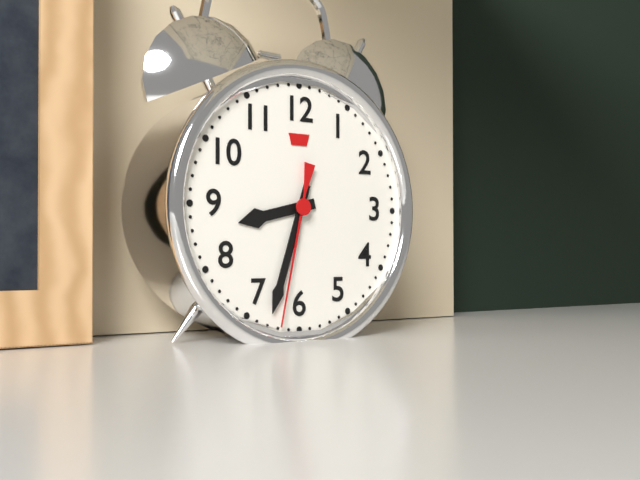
h=8 m=33 s=32
